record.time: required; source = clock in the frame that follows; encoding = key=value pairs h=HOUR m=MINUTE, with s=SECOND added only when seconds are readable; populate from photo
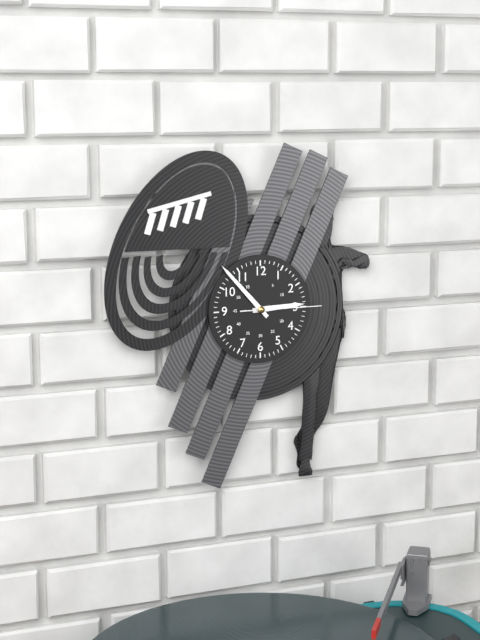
h=2 m=53 s=15
